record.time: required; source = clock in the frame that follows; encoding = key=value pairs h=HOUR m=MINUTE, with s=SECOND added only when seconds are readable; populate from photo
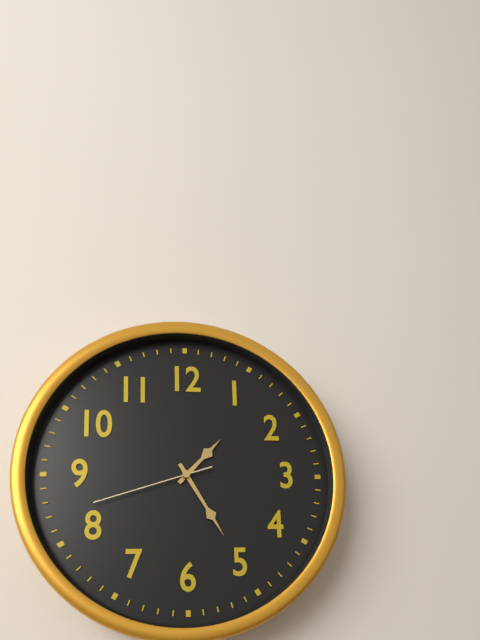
h=1 m=25 s=42
